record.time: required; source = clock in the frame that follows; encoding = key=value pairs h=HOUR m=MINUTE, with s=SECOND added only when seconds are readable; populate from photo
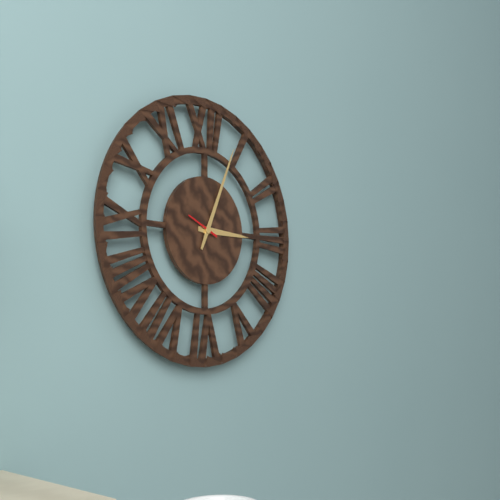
h=3 m=4
